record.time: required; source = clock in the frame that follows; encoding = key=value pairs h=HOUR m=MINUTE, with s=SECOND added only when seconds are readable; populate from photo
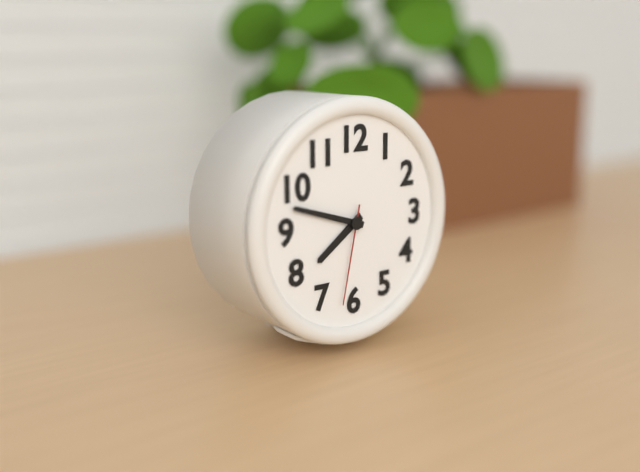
h=7 m=48 s=32
